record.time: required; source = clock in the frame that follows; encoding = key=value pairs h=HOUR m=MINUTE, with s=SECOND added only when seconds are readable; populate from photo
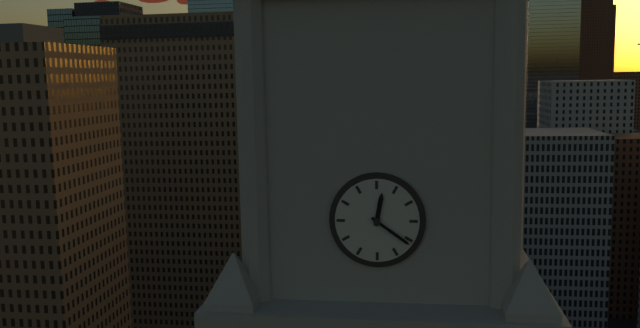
h=12 m=21
